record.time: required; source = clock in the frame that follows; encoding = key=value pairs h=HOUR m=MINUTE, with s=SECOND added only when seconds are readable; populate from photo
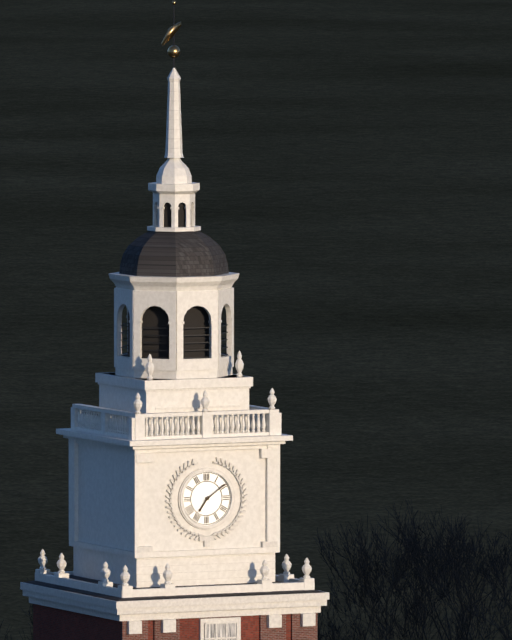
h=7 m=9
